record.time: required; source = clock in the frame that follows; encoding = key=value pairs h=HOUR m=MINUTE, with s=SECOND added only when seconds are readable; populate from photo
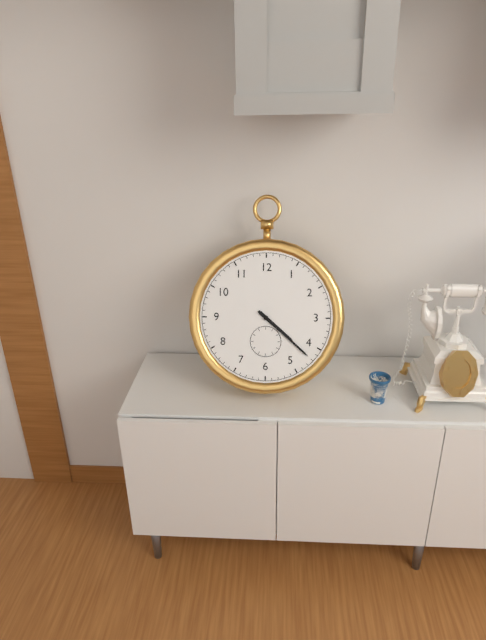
h=4 m=22
